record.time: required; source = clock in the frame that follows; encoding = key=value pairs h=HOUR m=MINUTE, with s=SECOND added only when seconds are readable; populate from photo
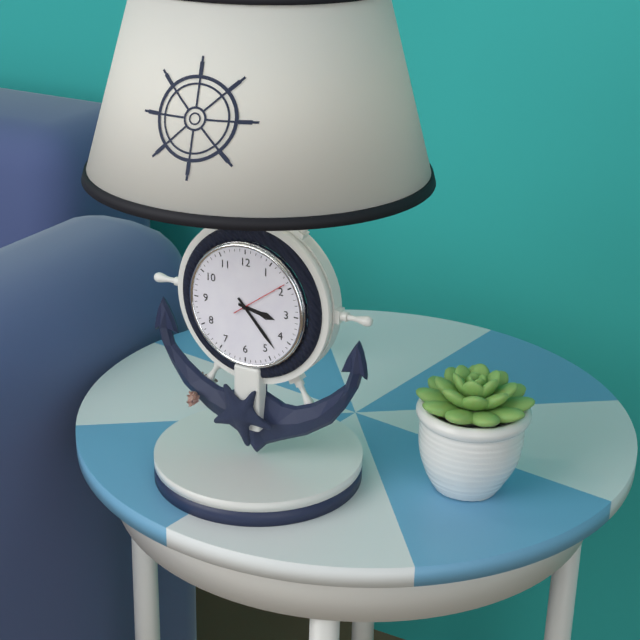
h=3 m=23 s=9
